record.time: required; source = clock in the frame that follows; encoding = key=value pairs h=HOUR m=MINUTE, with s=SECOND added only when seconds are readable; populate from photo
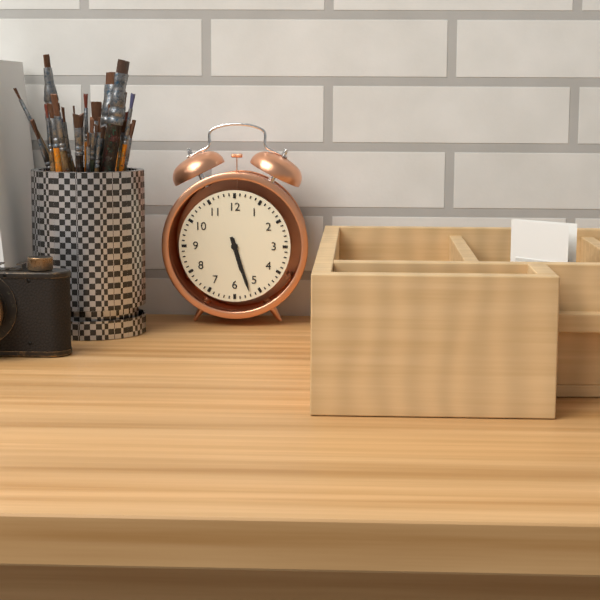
h=5 m=27
